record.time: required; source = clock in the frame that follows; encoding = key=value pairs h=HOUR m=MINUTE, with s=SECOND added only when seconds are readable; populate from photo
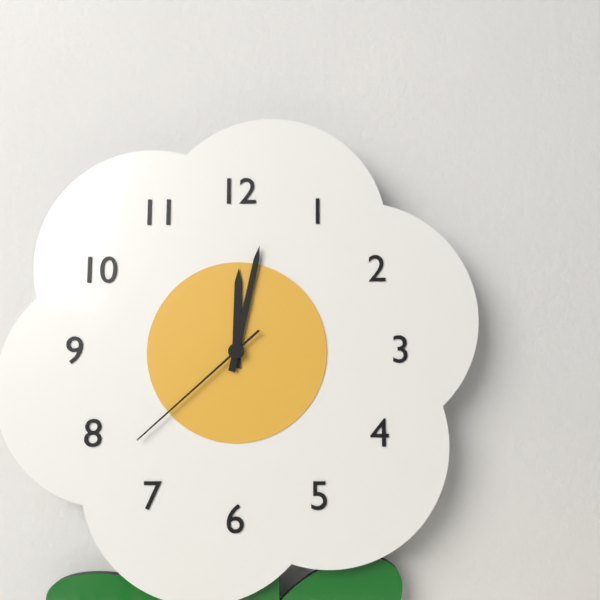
h=12 m=2 s=38
